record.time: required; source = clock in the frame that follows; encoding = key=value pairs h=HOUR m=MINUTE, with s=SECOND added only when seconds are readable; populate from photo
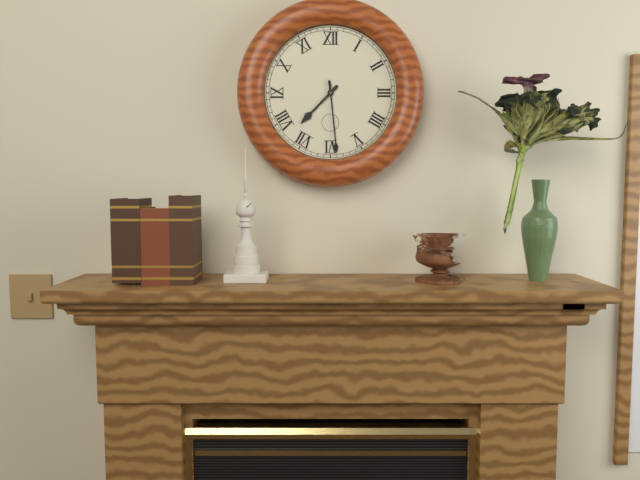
h=7 m=29
